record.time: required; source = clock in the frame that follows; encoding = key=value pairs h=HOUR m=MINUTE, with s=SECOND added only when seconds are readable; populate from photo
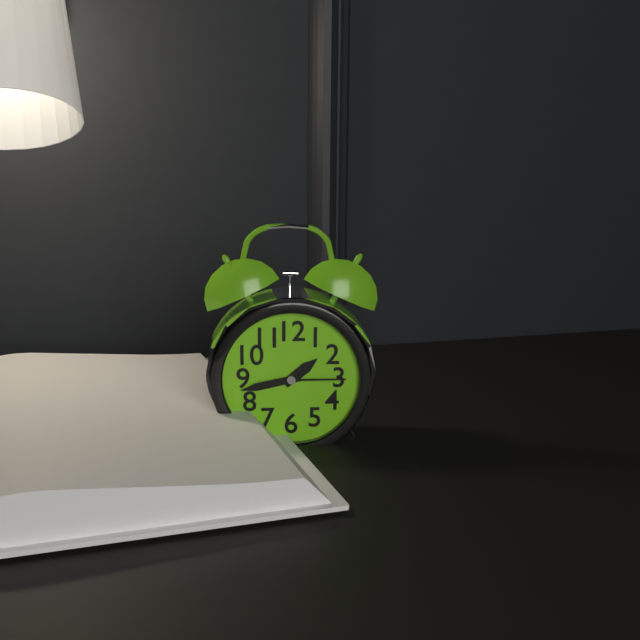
h=1 m=43 s=15
